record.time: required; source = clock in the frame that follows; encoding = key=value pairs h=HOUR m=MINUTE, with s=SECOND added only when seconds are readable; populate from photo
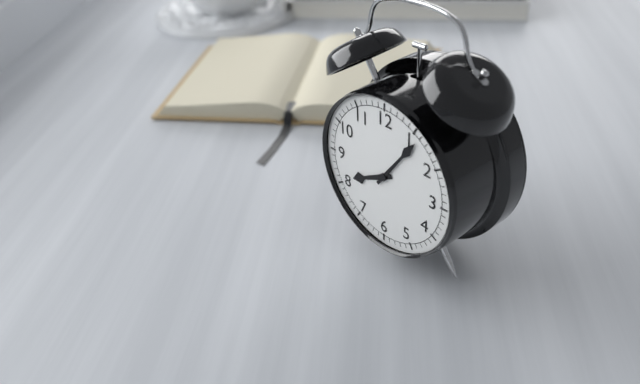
h=8 m=6
